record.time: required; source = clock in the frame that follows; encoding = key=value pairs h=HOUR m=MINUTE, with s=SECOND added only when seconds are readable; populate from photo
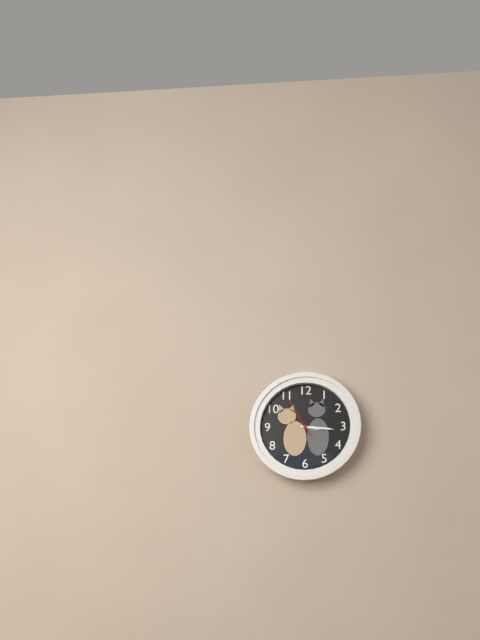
h=3 m=16
